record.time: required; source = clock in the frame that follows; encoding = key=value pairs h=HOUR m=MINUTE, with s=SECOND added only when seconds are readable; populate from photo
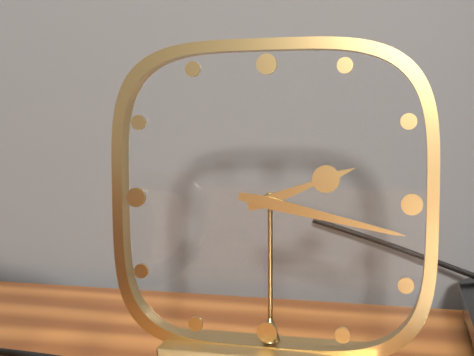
h=2 m=17
